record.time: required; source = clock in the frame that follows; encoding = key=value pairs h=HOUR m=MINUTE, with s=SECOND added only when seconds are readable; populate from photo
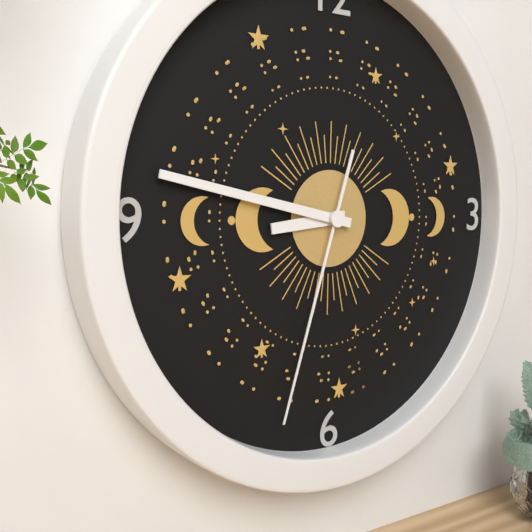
h=8 m=47 s=33
